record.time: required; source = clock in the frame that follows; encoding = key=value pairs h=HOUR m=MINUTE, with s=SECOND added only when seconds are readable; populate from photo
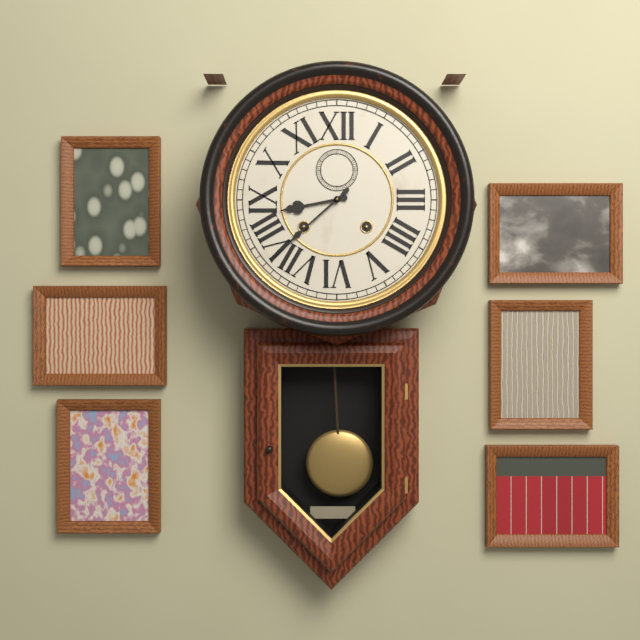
h=8 m=38
